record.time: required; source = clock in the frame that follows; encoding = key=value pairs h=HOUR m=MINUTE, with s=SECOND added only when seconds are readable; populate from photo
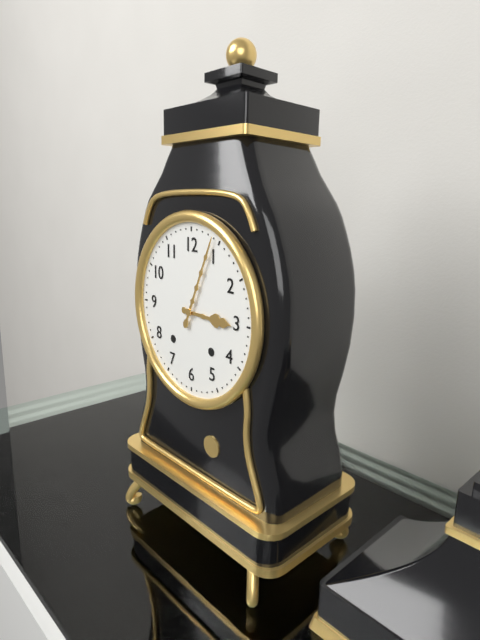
h=3 m=4
